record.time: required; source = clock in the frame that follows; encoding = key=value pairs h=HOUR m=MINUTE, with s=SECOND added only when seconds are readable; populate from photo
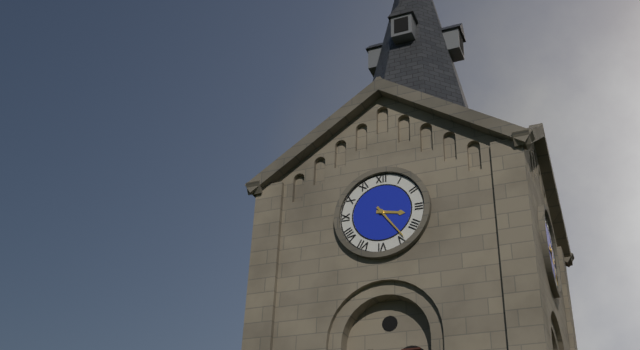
h=3 m=24
